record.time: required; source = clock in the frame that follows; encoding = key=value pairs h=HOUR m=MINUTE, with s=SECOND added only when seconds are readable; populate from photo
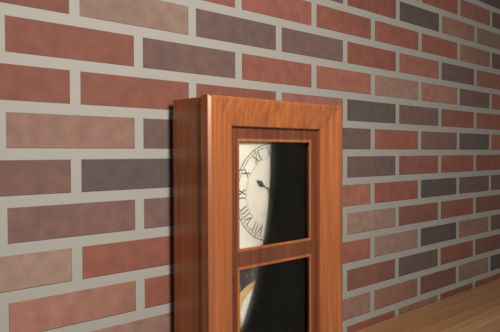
h=10 m=0
